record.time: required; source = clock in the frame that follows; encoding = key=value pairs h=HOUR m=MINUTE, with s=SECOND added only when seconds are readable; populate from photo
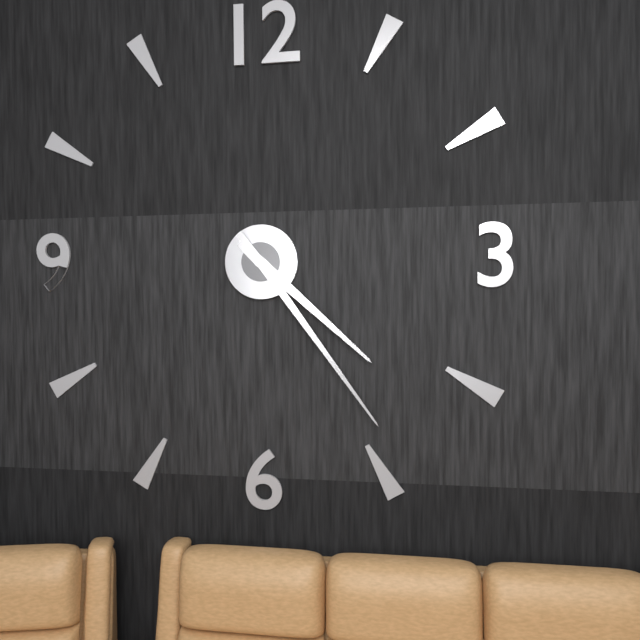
h=4 m=24
